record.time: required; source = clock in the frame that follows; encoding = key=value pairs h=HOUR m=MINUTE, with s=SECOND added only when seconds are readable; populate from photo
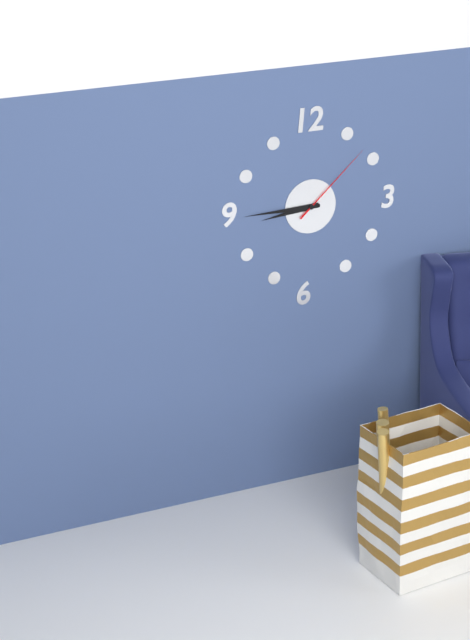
h=8 m=45 s=8
